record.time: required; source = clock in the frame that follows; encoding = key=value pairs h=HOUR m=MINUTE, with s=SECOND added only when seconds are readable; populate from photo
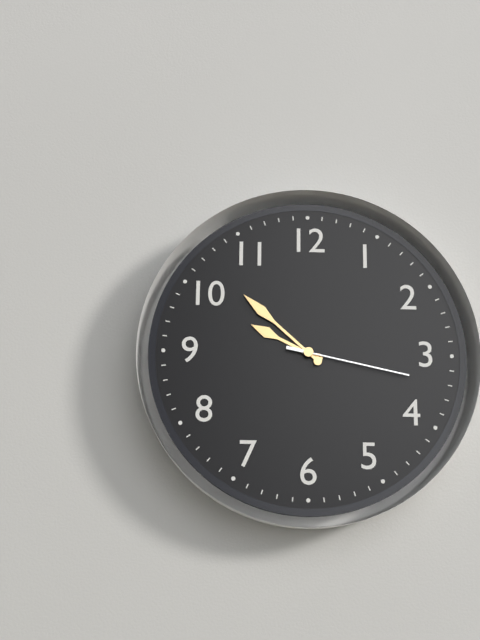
h=9 m=52 s=17
